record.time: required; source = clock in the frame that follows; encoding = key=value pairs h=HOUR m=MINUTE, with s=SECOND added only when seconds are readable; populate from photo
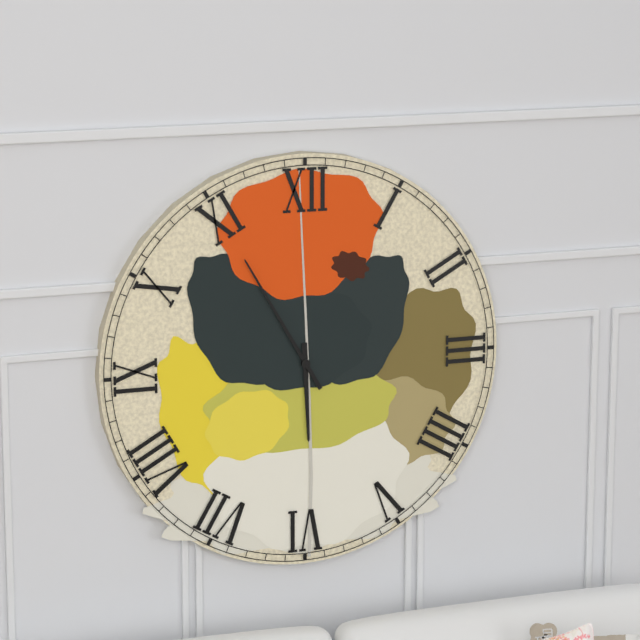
h=5 m=55
